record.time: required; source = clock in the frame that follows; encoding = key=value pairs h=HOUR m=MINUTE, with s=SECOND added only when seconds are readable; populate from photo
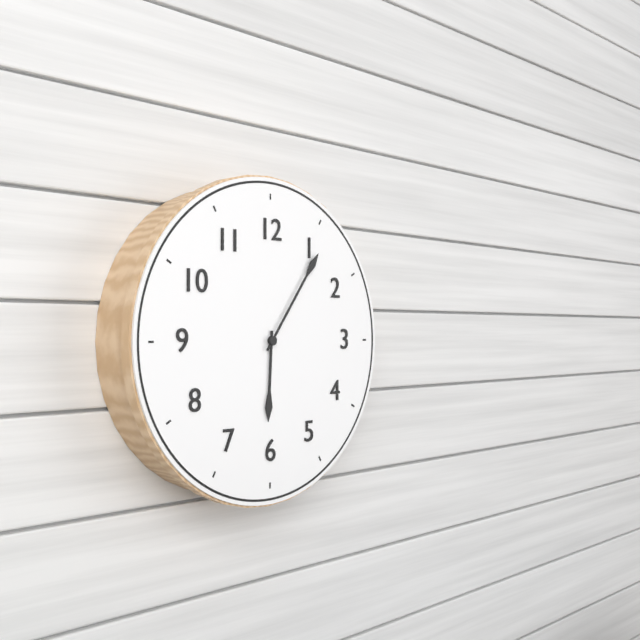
h=6 m=6
